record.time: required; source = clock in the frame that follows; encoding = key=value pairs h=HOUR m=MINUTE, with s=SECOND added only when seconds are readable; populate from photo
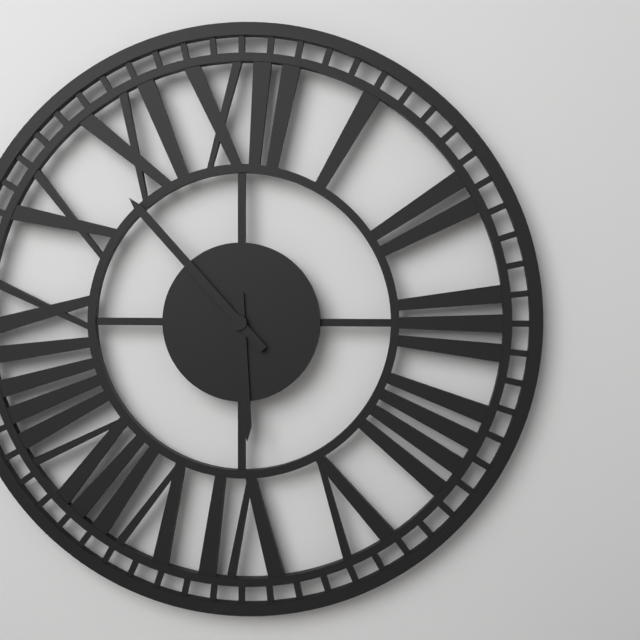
h=5 m=53
